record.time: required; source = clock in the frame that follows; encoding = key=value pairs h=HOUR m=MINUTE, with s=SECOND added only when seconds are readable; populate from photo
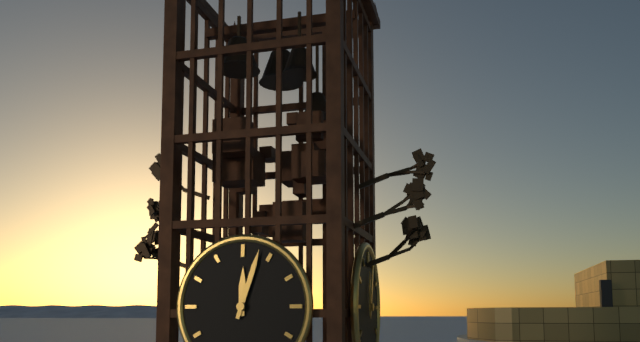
h=12 m=3
